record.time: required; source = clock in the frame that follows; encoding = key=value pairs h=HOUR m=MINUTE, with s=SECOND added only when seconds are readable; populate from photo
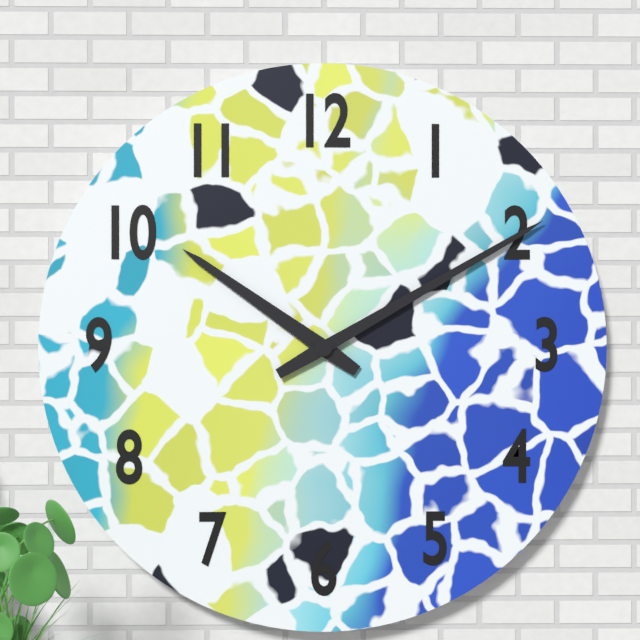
h=10 m=10
